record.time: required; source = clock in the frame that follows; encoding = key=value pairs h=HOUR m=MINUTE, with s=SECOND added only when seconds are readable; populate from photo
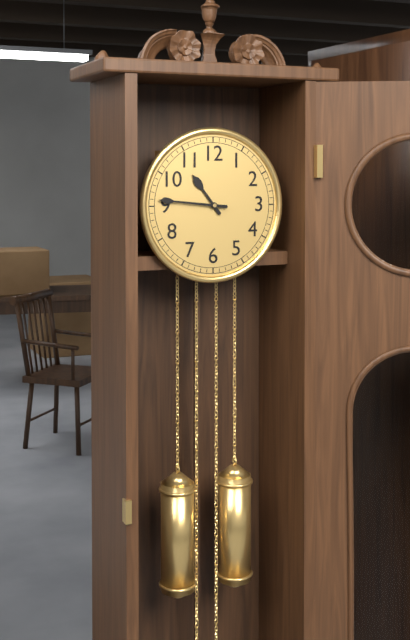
h=10 m=46
